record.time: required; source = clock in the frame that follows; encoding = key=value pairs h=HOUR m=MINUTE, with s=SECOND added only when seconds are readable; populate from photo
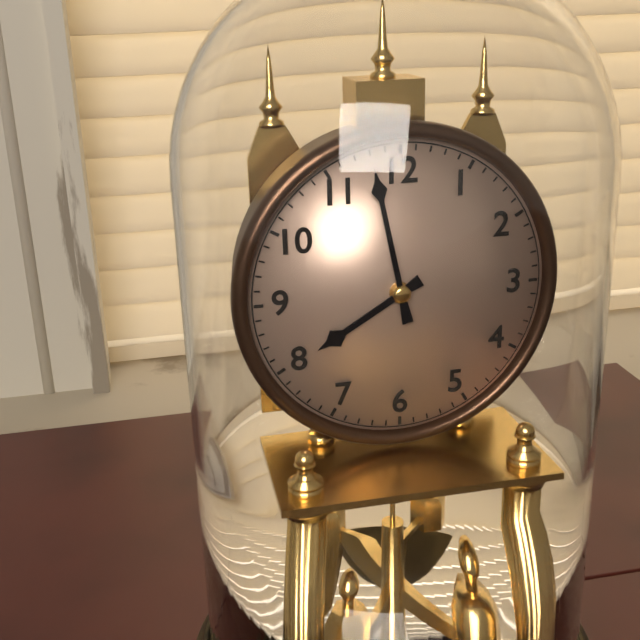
h=7 m=58
